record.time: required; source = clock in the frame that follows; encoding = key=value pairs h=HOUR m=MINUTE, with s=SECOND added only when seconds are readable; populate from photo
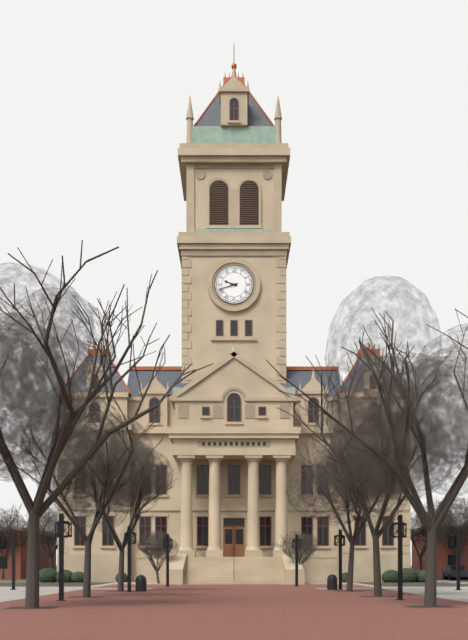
h=9 m=42
